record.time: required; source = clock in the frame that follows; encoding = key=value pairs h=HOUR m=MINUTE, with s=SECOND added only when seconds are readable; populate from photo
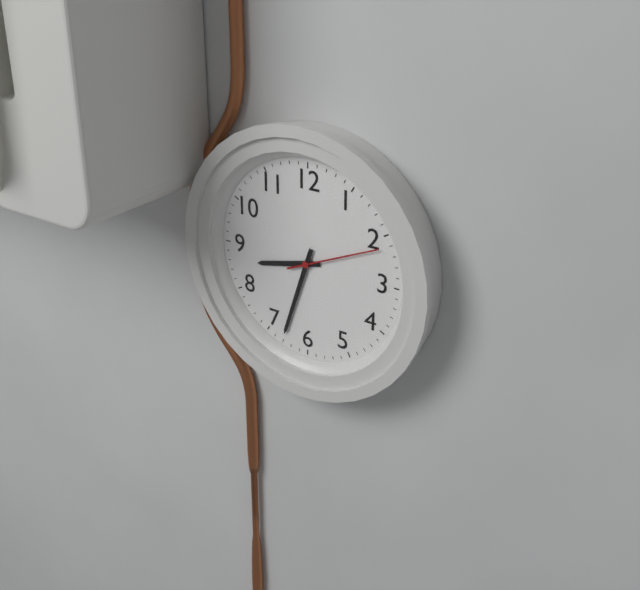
h=8 m=33 s=11
